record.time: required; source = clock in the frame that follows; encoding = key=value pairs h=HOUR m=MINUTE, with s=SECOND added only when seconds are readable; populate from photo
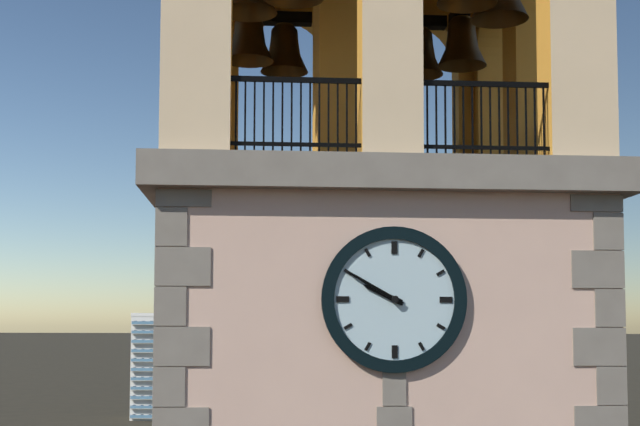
h=9 m=50
